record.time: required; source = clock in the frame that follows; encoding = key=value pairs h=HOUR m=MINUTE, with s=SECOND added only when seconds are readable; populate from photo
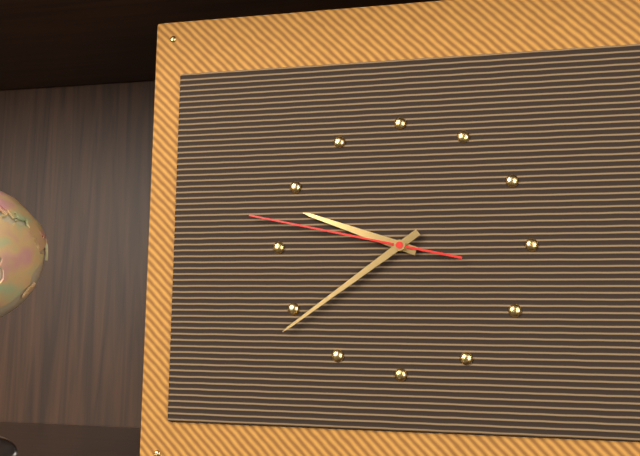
h=9 m=39 s=47
